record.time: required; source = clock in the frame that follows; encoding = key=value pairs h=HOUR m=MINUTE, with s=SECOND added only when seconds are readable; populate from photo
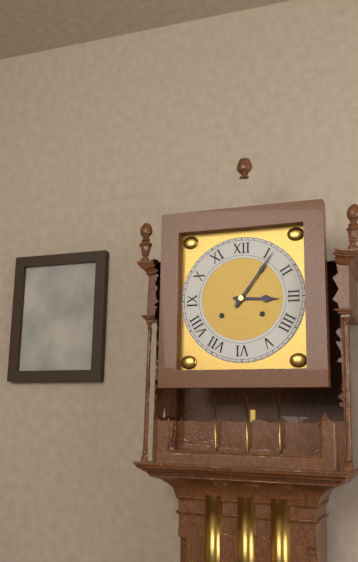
h=3 m=6
